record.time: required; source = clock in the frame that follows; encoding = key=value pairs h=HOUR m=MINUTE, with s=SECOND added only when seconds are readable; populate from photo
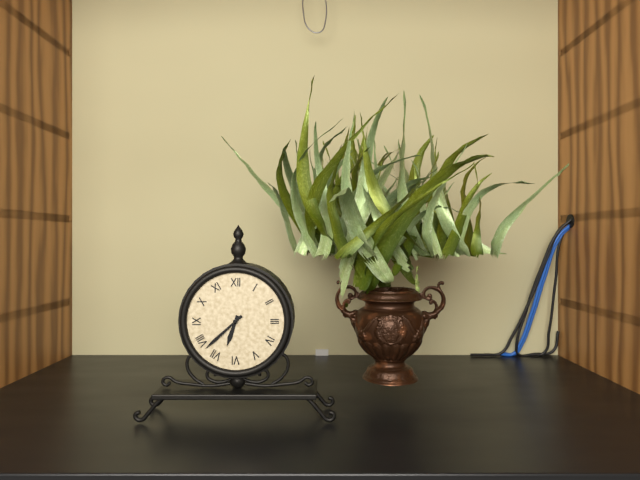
h=6 m=38
